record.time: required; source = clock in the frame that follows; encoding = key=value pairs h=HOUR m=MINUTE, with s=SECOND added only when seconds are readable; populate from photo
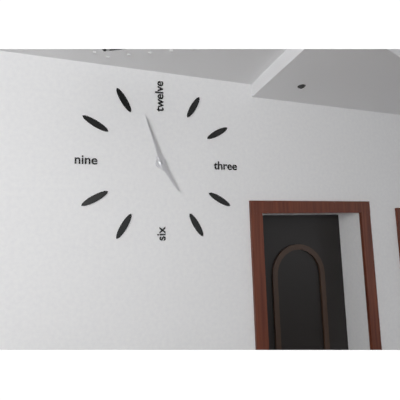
h=4 m=57
